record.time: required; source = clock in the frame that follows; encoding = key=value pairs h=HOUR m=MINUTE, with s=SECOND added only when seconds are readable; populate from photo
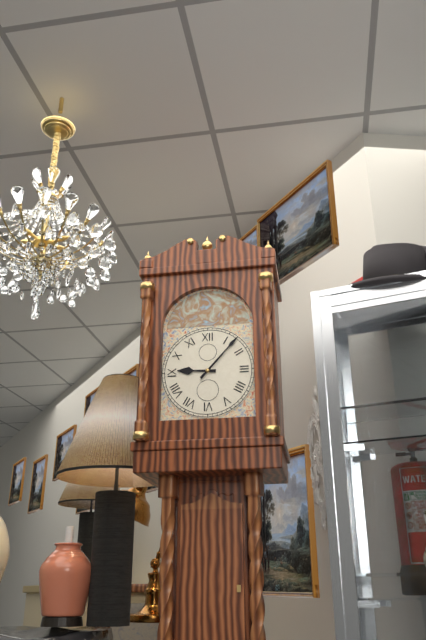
h=9 m=7
